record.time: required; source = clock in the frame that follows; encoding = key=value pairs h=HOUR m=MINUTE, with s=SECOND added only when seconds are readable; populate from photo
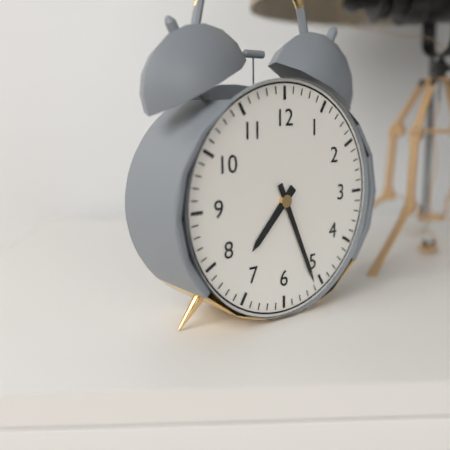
h=7 m=26
